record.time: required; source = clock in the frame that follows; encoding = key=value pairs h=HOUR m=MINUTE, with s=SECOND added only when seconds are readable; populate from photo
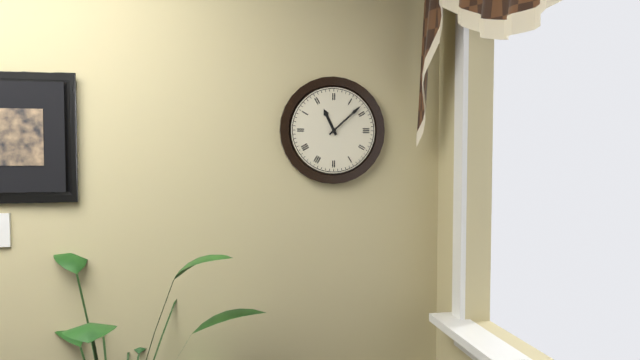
h=11 m=8
